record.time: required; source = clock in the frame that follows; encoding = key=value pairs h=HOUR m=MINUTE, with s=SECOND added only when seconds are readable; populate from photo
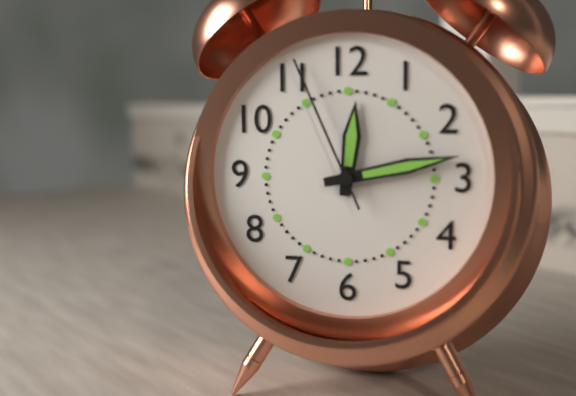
h=12 m=13 s=56
